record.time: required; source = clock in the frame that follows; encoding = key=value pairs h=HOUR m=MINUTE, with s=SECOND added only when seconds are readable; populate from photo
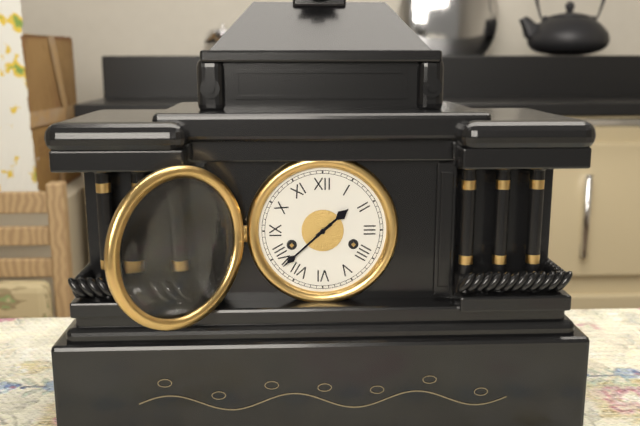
h=1 m=38
